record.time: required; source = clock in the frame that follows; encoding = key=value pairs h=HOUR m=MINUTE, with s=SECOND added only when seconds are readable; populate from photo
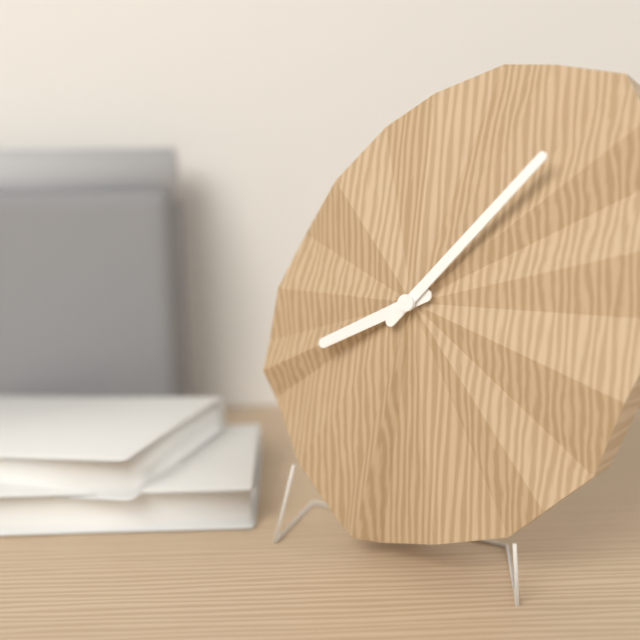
h=8 m=7
